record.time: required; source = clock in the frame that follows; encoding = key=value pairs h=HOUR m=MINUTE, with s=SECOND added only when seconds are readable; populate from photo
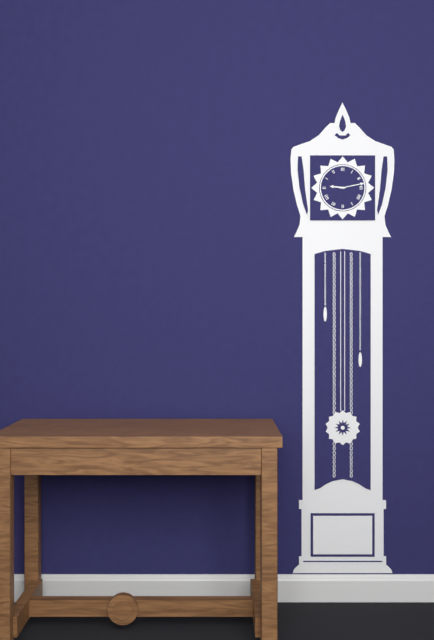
h=9 m=13
